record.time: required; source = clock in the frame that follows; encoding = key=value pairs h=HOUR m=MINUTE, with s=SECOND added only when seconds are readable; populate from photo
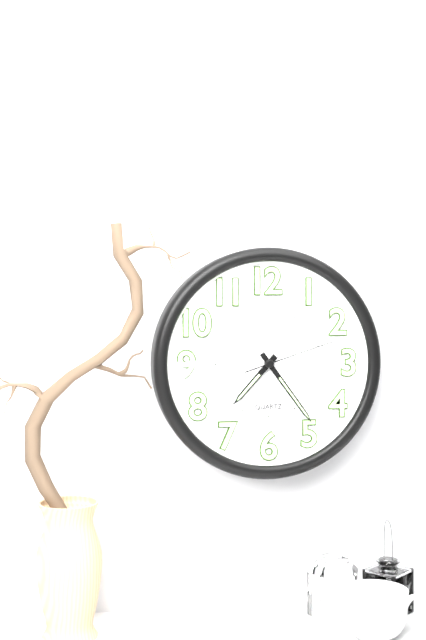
h=7 m=24 s=12
